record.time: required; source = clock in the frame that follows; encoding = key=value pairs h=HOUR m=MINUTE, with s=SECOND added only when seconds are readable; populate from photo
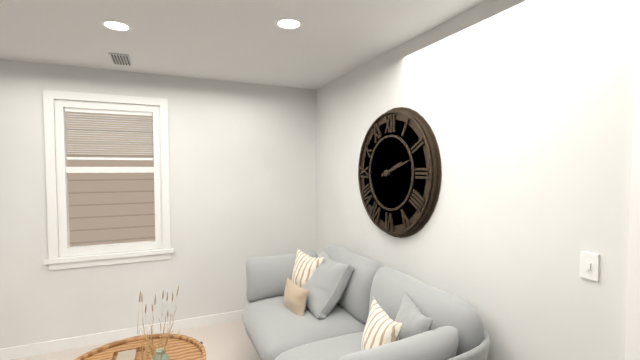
h=2 m=12
